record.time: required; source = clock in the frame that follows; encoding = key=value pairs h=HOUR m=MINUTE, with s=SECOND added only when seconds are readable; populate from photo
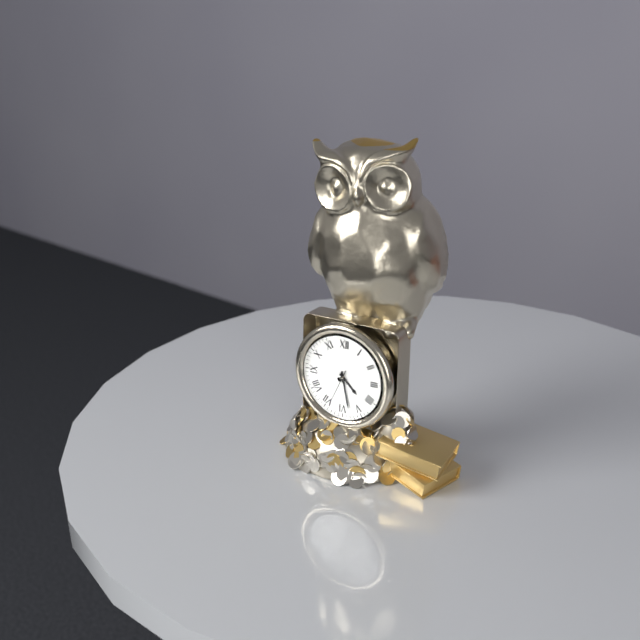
h=4 m=28 s=34
